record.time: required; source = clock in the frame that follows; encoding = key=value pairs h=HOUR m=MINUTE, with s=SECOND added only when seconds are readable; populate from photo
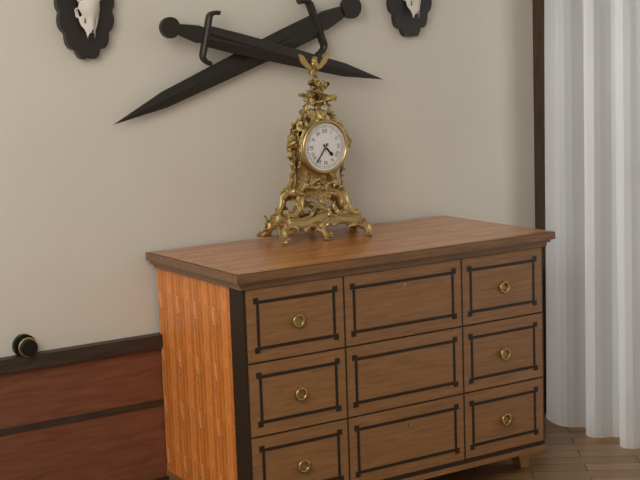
h=4 m=36
